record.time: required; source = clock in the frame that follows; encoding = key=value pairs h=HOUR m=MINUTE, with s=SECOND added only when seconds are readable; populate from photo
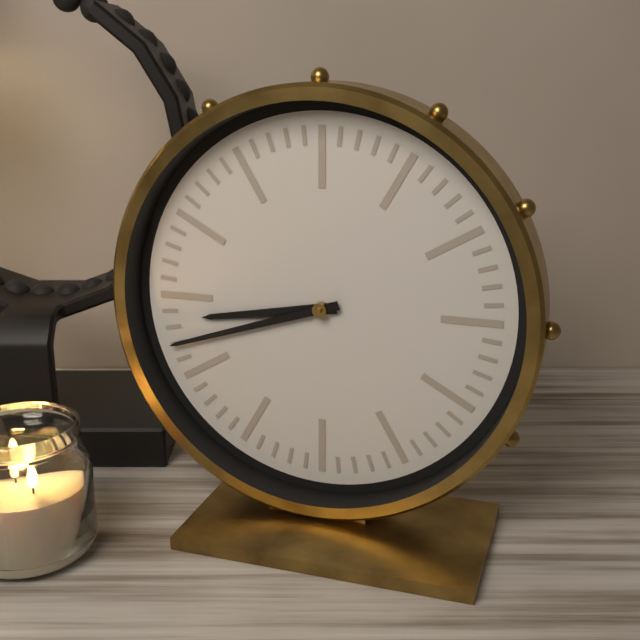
h=8 m=42
